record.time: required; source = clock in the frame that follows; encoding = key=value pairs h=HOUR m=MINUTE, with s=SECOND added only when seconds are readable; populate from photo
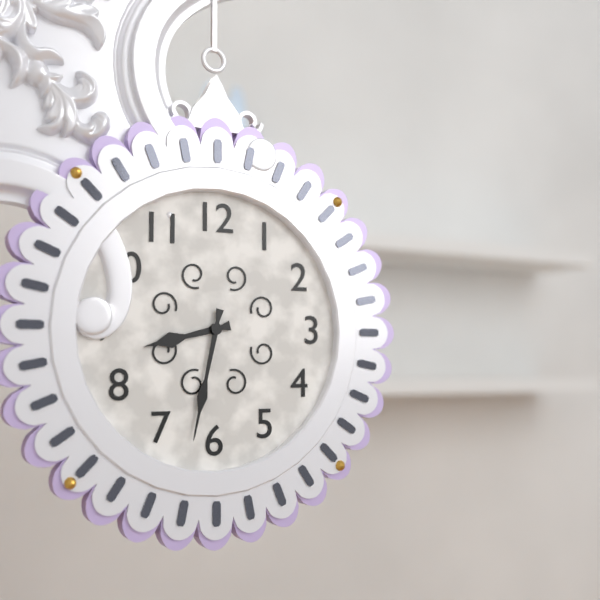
h=8 m=32
